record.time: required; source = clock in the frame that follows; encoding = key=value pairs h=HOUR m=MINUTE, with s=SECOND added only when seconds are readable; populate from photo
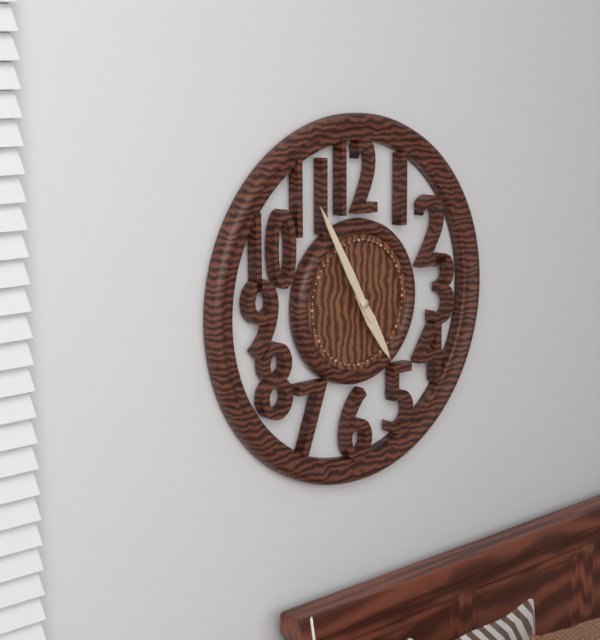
h=4 m=55
